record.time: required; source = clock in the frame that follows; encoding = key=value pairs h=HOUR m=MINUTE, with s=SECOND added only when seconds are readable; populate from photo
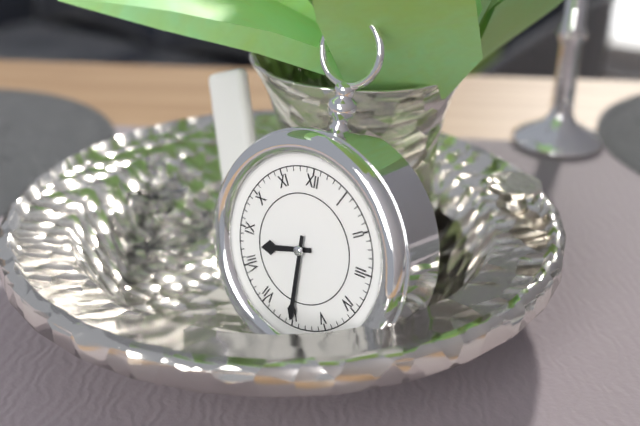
h=8 m=30
